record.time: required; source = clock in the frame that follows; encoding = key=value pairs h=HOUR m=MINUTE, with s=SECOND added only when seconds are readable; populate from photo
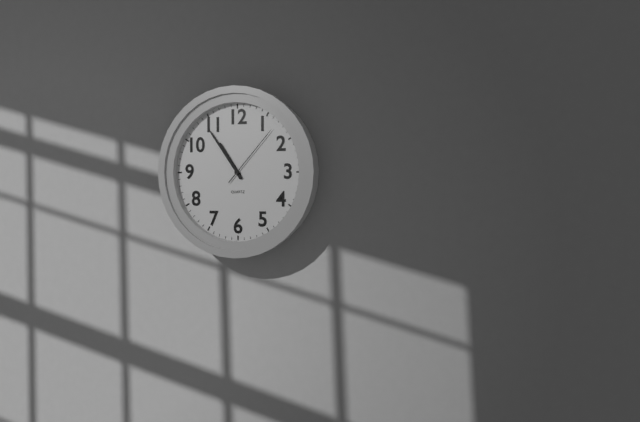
h=10 m=54 s=7
